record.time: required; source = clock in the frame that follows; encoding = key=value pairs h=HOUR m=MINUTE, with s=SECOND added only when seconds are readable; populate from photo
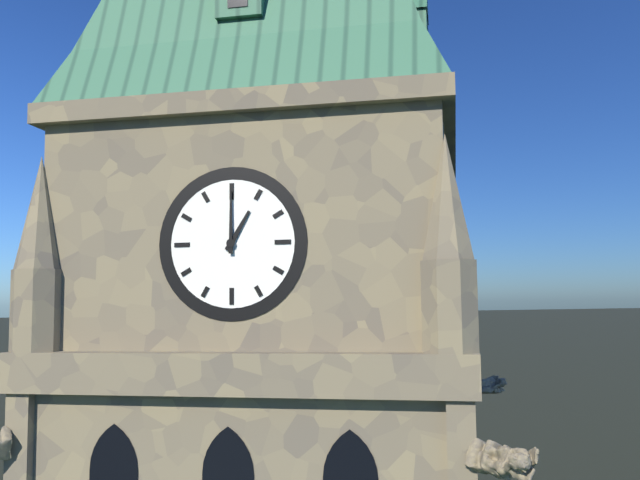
h=1 m=0
